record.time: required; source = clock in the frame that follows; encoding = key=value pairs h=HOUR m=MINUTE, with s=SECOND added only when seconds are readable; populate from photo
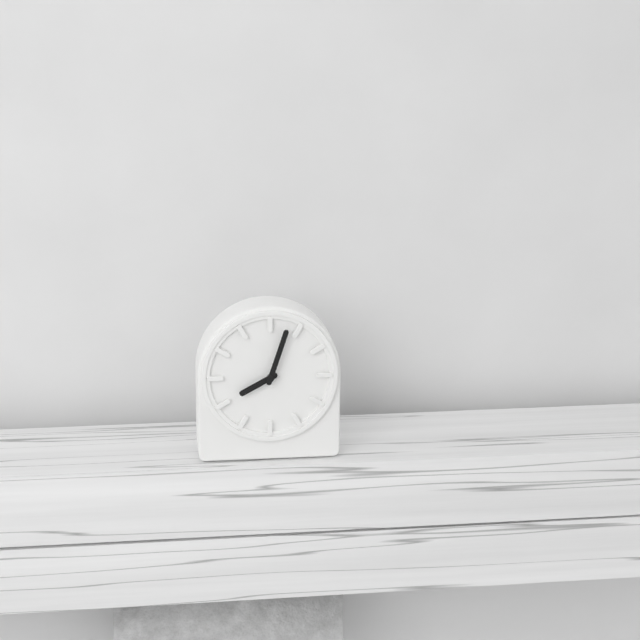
h=8 m=3
